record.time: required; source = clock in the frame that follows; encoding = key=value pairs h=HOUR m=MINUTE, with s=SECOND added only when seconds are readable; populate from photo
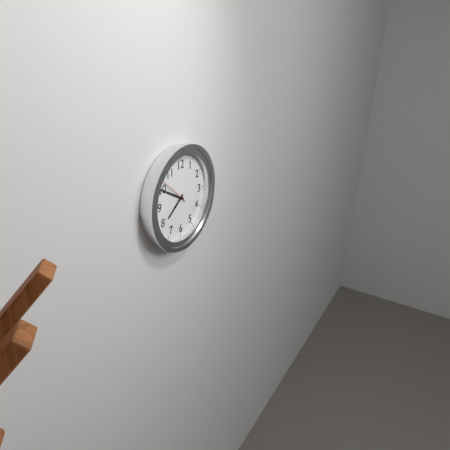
h=7 m=50
